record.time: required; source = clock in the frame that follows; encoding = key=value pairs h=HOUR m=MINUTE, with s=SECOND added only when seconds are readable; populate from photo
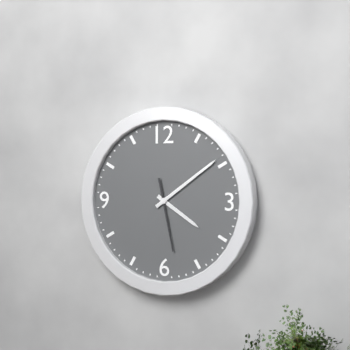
h=4 m=9 s=28
